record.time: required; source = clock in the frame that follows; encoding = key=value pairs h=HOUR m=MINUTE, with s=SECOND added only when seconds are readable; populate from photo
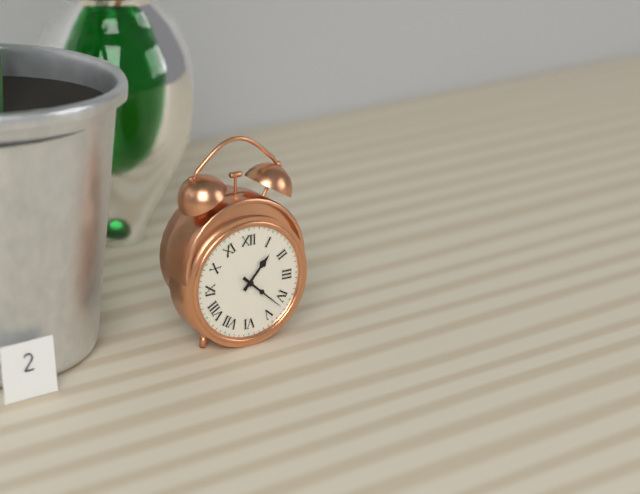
h=1 m=22
